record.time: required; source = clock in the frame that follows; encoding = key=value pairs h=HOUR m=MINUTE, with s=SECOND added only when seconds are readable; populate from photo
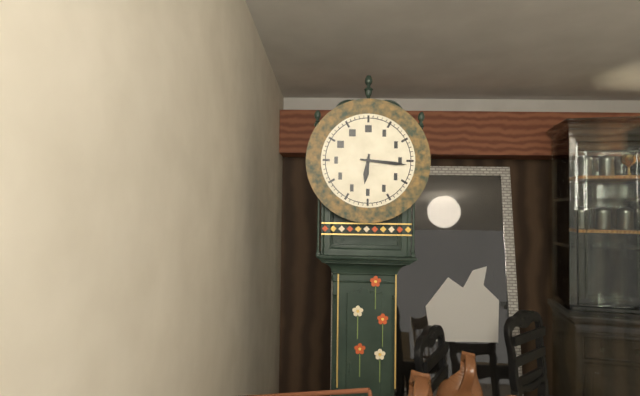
h=6 m=16
